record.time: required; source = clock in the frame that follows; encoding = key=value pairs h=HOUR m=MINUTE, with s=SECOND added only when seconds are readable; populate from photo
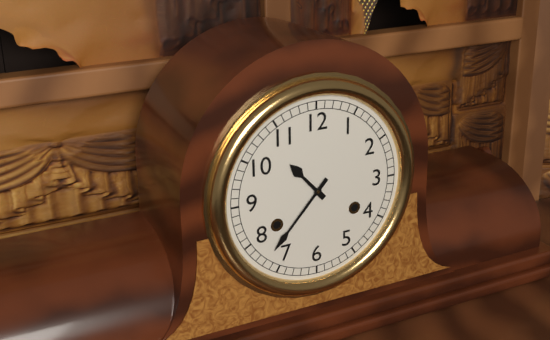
h=10 m=37
